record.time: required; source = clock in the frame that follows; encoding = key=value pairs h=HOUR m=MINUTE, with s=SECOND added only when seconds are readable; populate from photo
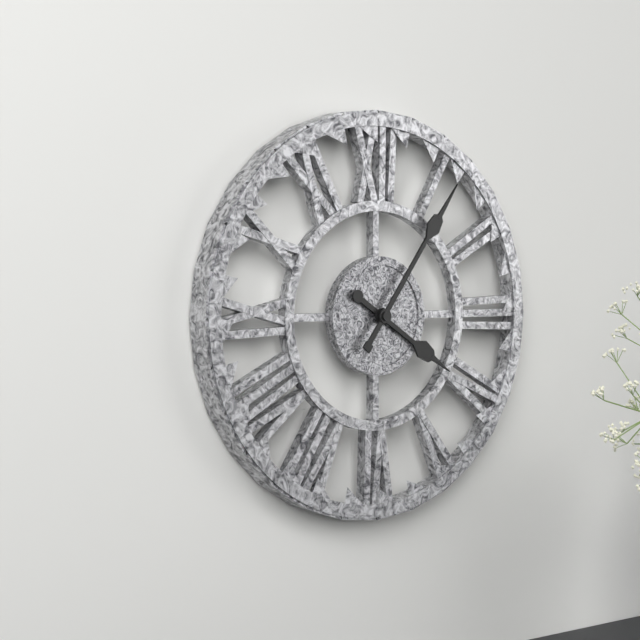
h=4 m=6
